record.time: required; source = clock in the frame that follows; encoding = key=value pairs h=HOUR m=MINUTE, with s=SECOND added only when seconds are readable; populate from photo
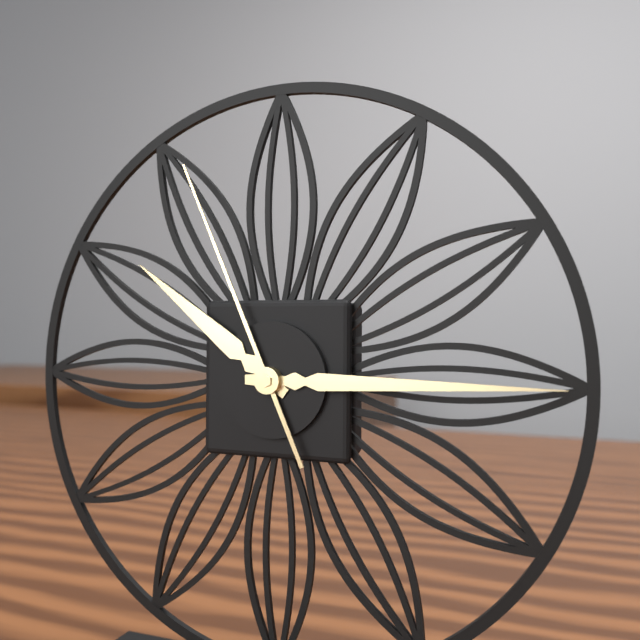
h=10 m=15 s=56
